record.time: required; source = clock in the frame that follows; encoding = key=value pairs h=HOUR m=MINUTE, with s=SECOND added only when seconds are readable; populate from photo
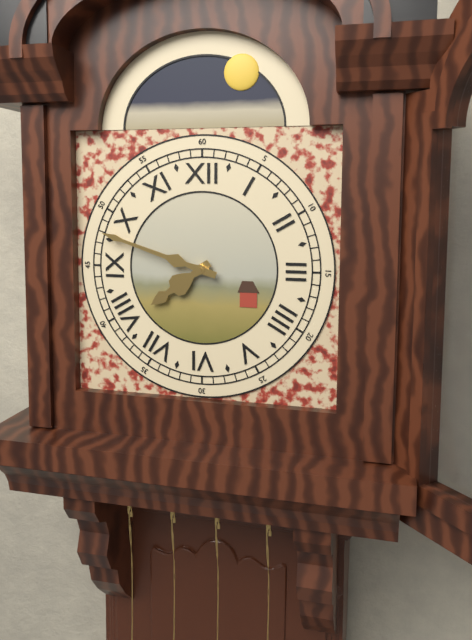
h=7 m=48
